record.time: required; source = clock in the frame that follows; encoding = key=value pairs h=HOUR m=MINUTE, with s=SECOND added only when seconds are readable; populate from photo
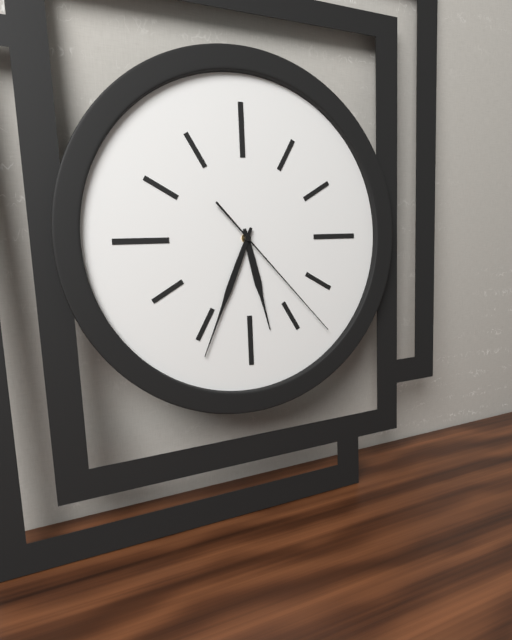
h=5 m=34 s=23
